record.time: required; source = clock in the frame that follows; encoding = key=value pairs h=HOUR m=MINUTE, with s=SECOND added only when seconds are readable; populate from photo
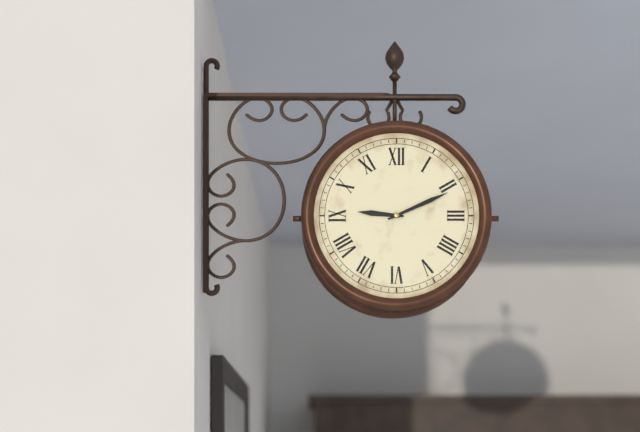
h=9 m=11
